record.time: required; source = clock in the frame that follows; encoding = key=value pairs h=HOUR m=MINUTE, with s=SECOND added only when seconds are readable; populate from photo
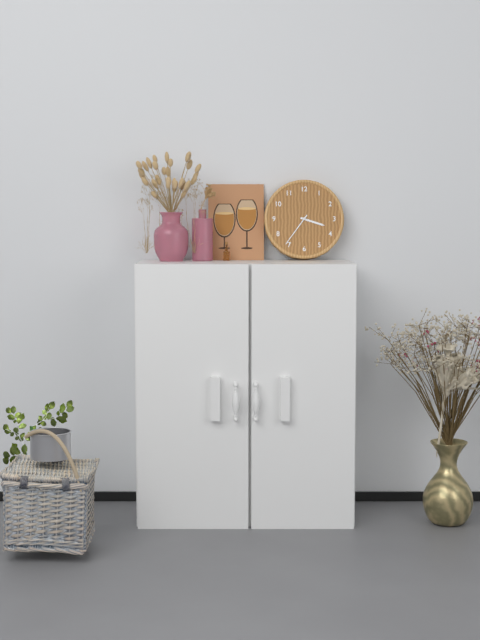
h=3 m=36
